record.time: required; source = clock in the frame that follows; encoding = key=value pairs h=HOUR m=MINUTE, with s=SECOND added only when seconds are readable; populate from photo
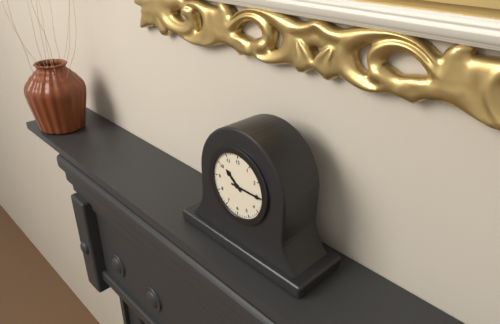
h=10 m=15
